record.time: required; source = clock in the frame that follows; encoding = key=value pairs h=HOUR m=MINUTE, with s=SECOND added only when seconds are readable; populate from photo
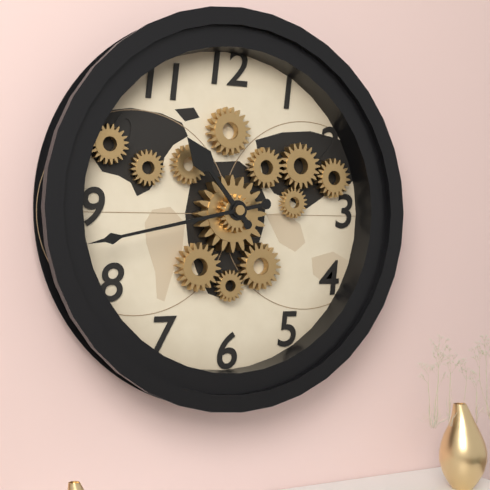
h=10 m=43
